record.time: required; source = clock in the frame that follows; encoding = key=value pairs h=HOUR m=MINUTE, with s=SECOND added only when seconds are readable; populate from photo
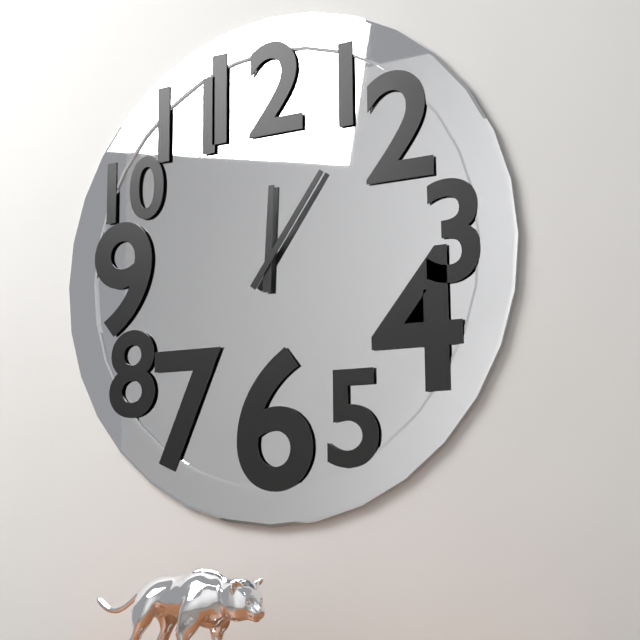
h=12 m=6
